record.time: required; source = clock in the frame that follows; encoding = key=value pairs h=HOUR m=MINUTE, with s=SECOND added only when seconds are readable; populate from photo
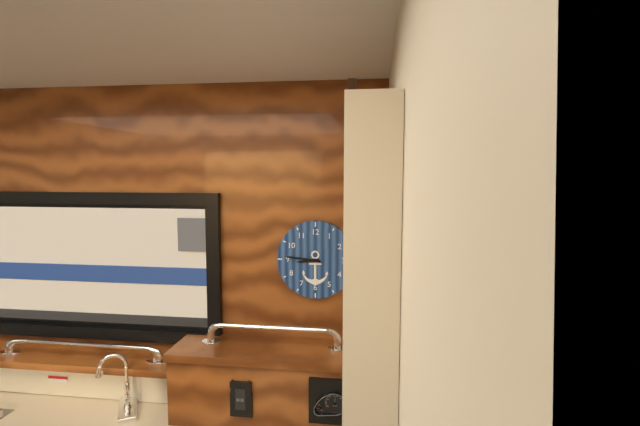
h=8 m=46
